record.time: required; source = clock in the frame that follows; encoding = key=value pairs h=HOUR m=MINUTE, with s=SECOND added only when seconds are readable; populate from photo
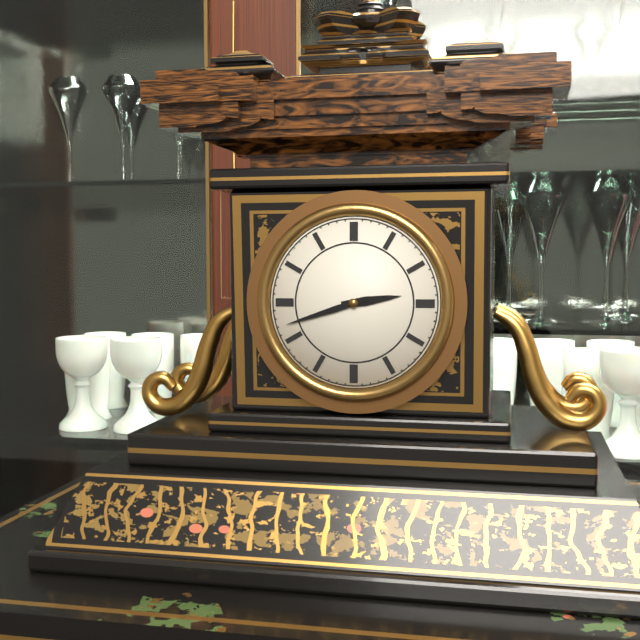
h=2 m=42
